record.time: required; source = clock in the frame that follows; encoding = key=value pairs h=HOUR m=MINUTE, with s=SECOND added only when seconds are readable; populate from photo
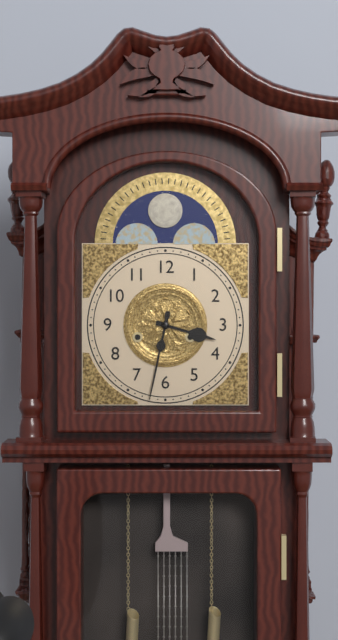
h=3 m=32
